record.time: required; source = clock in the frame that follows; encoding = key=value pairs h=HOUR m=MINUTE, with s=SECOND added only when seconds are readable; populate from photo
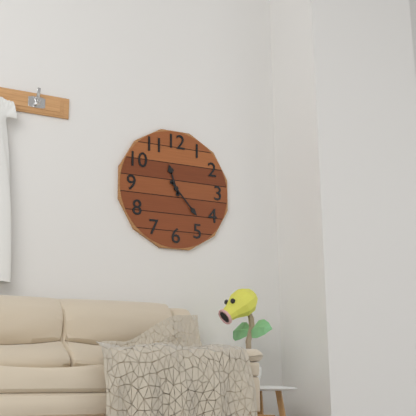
h=11 m=23
